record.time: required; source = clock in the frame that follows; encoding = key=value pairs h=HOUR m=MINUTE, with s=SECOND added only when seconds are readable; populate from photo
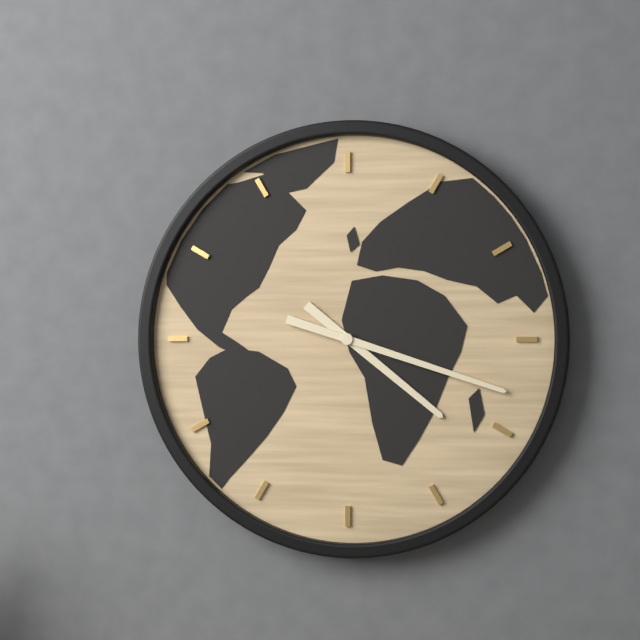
h=4 m=18
